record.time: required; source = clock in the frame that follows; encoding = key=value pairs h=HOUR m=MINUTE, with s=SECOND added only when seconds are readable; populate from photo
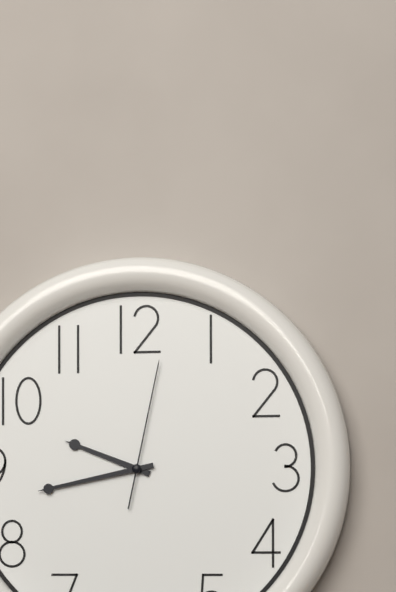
h=9 m=43 s=2
